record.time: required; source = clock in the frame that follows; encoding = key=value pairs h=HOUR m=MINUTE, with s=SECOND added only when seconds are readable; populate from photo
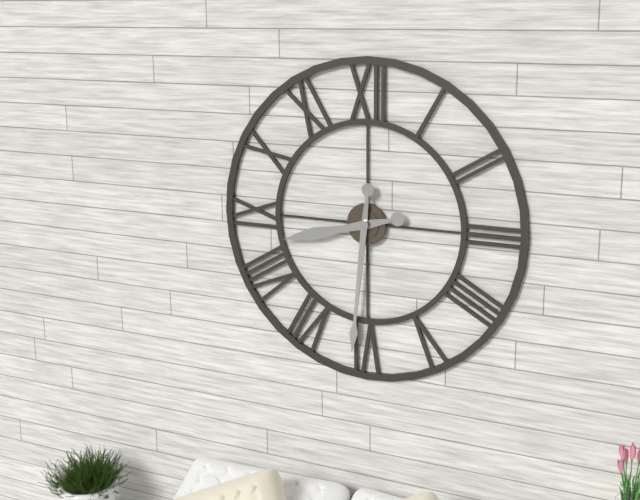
h=8 m=31
